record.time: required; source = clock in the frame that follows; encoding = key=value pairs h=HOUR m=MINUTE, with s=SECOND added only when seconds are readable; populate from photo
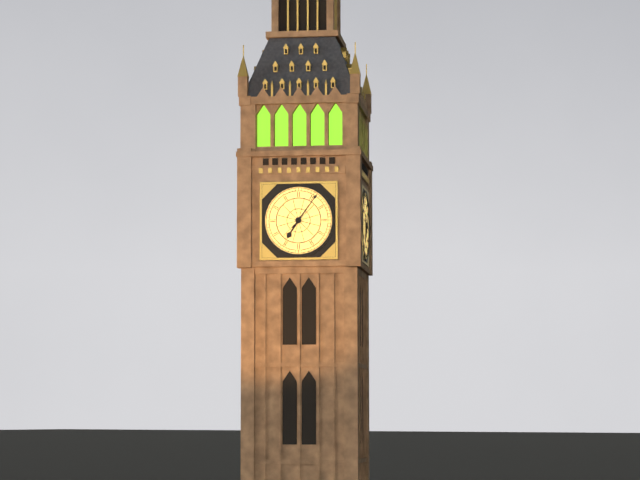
h=7 m=6
